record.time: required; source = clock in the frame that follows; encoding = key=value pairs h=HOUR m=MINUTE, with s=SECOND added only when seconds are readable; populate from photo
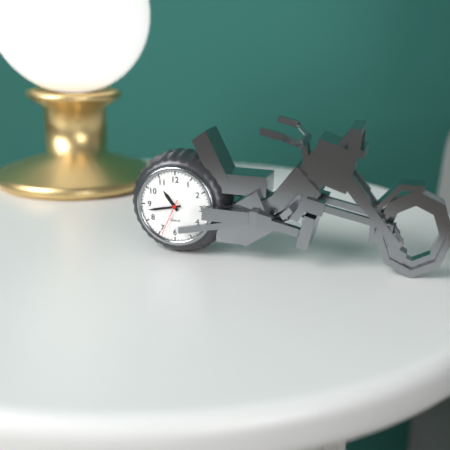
h=10 m=43
